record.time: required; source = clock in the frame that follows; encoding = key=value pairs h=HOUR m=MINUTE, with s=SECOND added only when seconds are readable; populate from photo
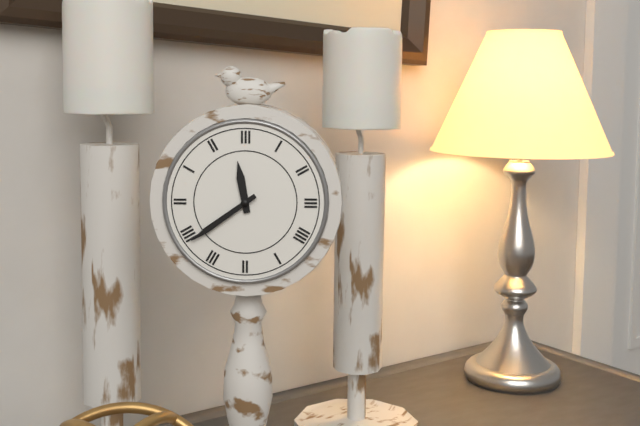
h=11 m=39
